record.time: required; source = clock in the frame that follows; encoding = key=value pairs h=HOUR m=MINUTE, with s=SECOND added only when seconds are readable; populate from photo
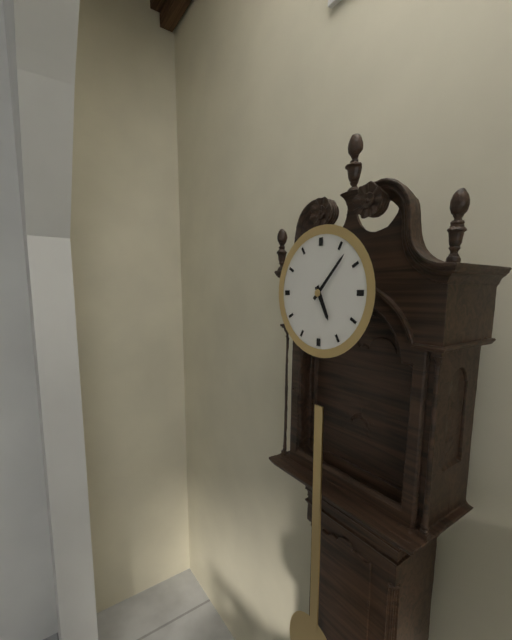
h=5 m=7
